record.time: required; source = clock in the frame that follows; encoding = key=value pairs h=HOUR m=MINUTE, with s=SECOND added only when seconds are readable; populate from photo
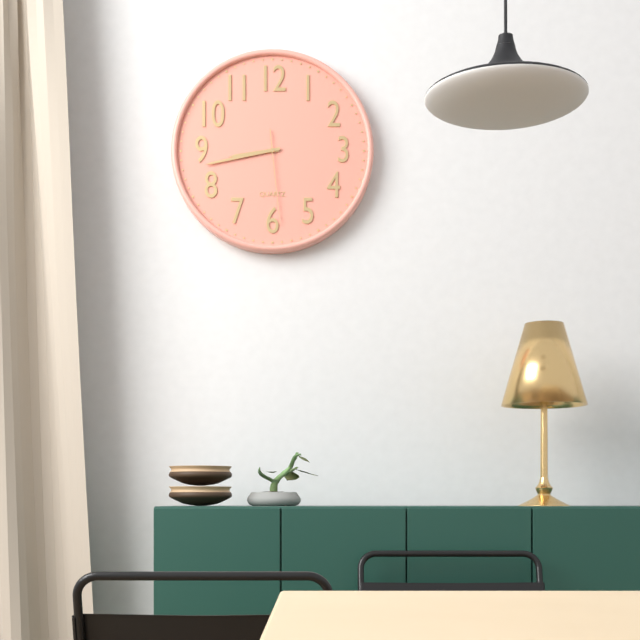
h=8 m=43 s=29
